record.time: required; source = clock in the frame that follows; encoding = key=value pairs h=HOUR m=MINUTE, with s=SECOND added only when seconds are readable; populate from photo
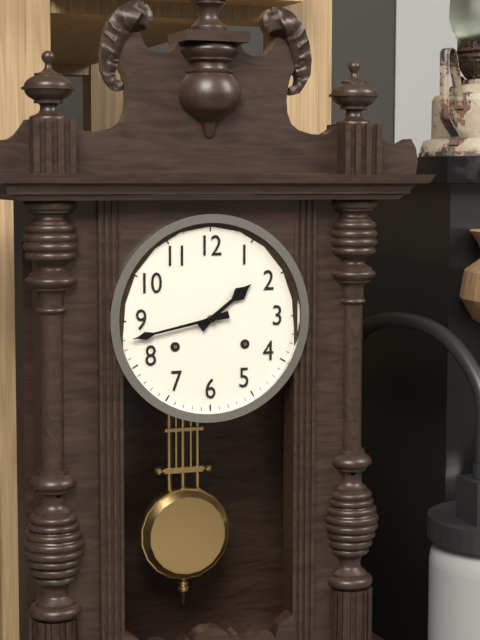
h=1 m=43
